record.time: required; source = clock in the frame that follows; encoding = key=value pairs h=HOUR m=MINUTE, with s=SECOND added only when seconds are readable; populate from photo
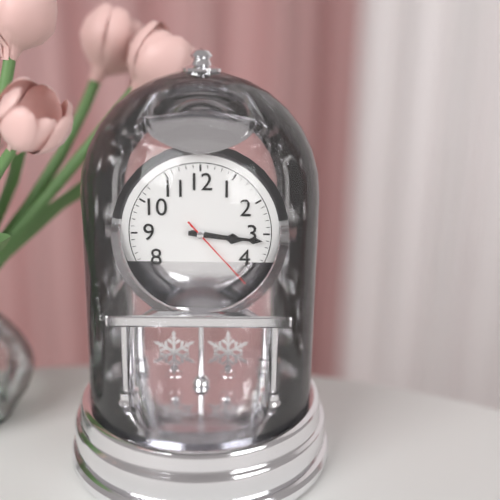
h=3 m=16 s=23
